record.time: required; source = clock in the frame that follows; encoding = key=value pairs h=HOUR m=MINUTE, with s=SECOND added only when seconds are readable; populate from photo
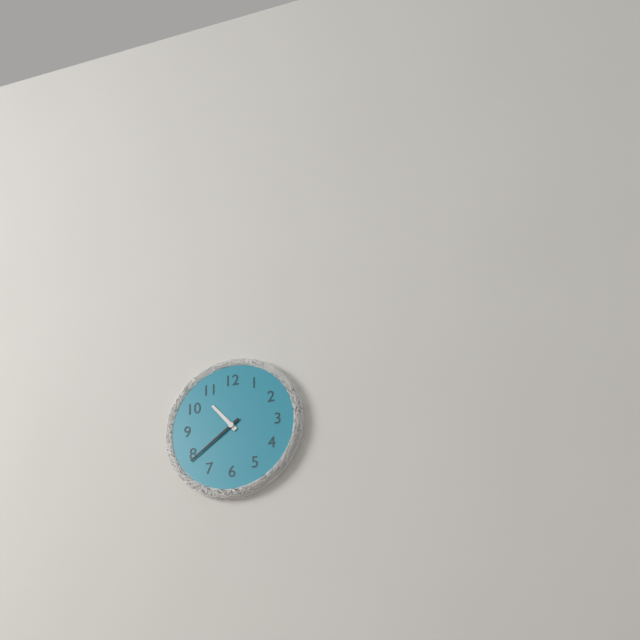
h=10 m=39
